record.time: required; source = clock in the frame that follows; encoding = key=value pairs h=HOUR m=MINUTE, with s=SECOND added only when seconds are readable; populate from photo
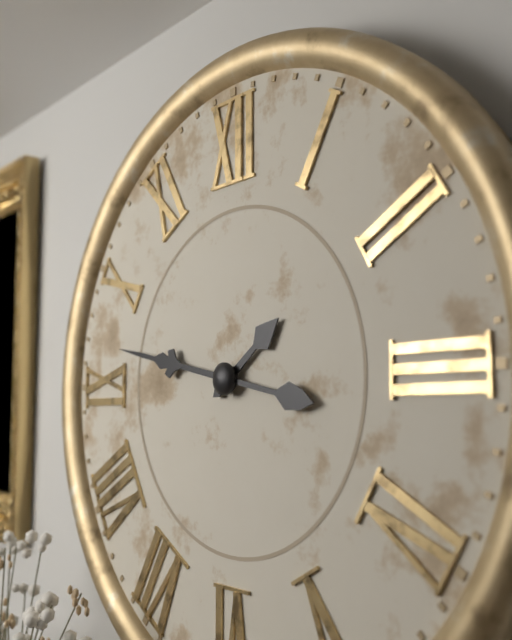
h=1 m=47
